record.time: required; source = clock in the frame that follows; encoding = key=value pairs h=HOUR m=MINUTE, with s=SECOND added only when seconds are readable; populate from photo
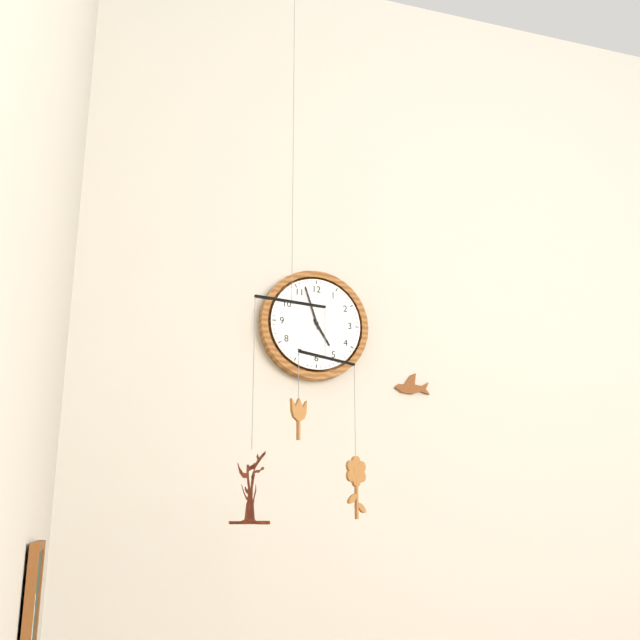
h=4 m=57
